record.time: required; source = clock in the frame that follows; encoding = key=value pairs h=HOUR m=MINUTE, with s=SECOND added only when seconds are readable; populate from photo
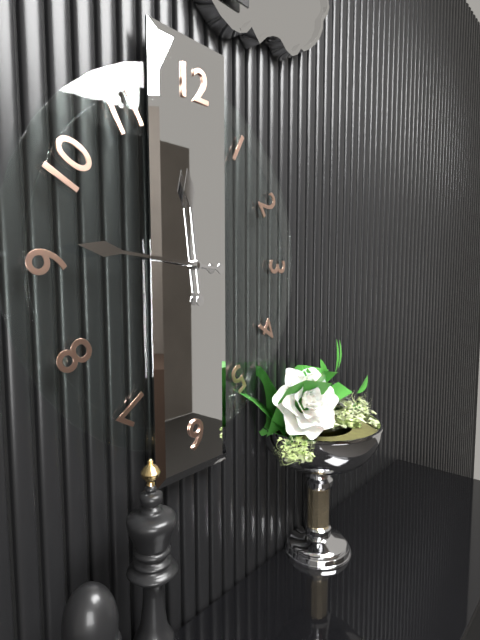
h=11 m=46
